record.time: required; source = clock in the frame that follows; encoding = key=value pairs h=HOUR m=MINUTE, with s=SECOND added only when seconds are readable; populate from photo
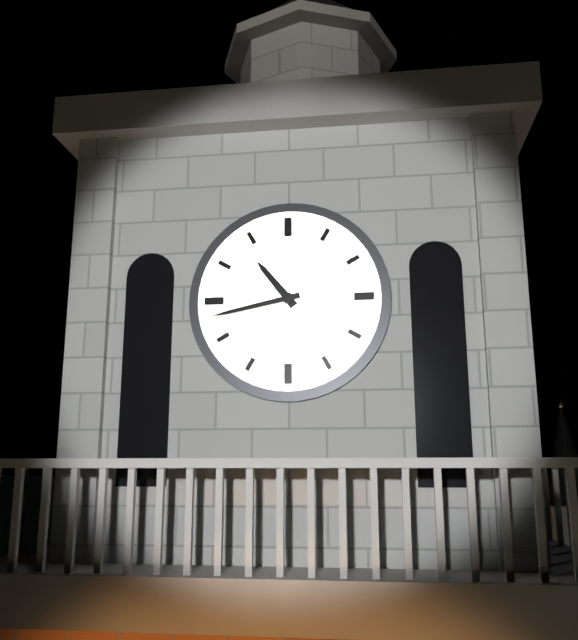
h=10 m=43
